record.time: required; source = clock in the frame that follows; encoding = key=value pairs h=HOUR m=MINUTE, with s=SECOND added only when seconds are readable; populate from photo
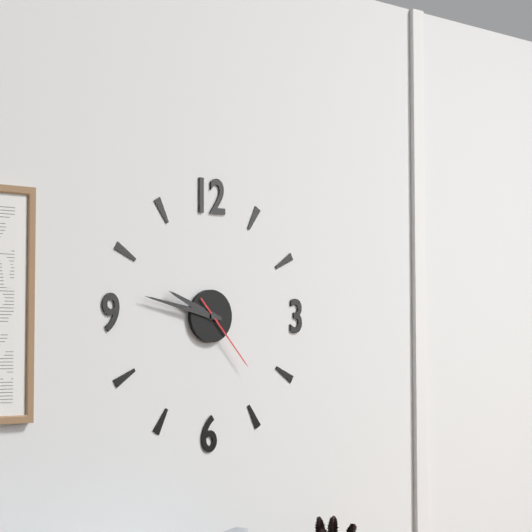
h=9 m=47 s=23
